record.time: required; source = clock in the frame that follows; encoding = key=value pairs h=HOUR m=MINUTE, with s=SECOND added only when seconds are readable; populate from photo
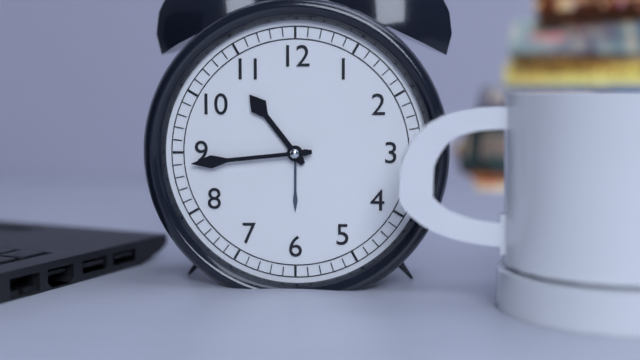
h=10 m=44
